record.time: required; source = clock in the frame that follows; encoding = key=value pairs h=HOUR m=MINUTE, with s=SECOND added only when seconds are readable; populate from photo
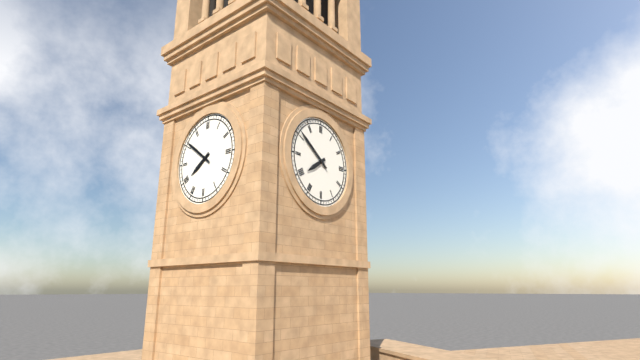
h=7 m=51
